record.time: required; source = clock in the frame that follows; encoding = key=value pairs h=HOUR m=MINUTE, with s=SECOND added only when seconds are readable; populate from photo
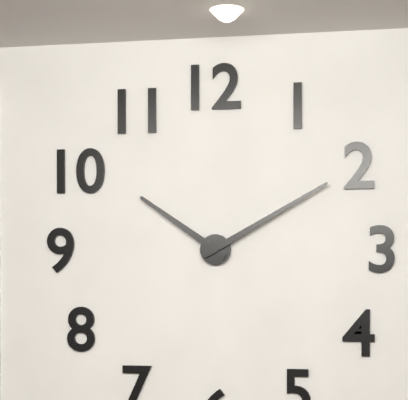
h=10 m=10
